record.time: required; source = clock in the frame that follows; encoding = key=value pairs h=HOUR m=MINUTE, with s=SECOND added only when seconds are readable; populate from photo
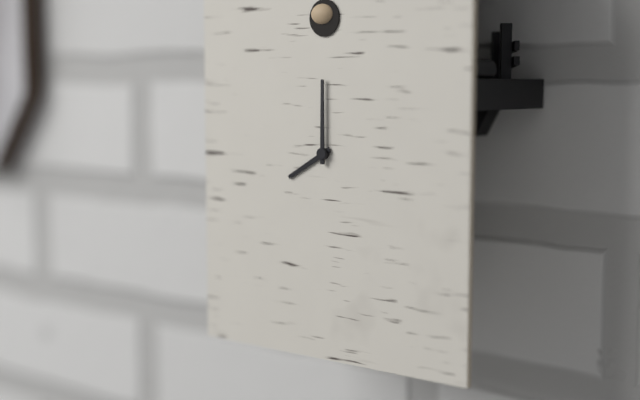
h=8 m=0
